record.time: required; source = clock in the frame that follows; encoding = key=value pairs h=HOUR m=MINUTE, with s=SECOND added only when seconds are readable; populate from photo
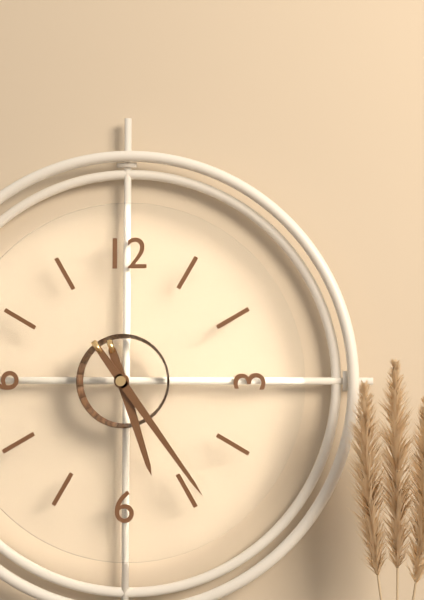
h=5 m=24
